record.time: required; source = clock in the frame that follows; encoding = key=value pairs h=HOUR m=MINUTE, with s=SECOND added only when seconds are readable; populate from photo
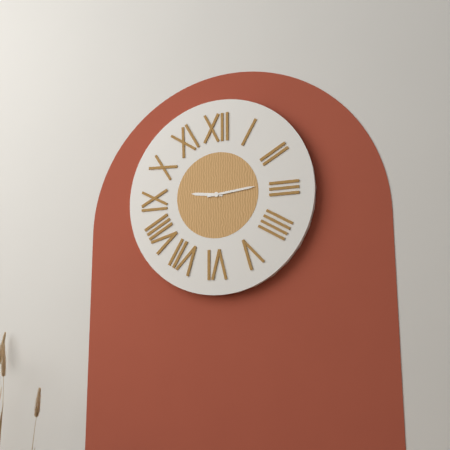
h=9 m=14
